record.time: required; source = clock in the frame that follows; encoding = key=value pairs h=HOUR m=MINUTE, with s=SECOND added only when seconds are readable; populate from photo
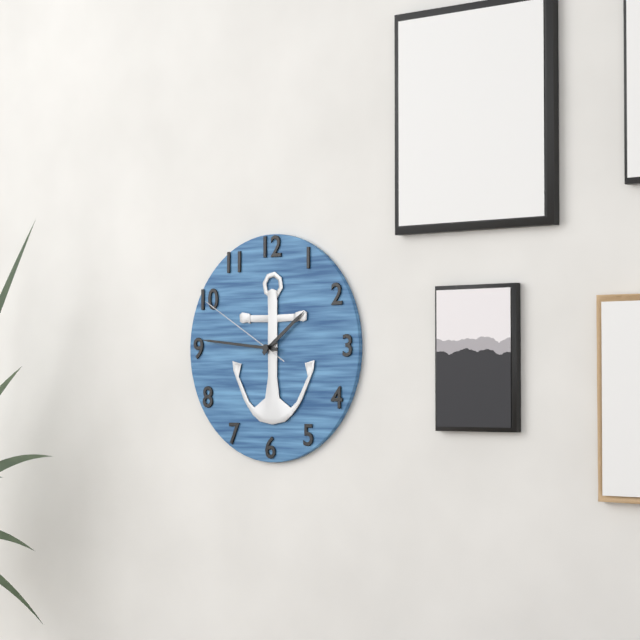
h=1 m=46 s=50
